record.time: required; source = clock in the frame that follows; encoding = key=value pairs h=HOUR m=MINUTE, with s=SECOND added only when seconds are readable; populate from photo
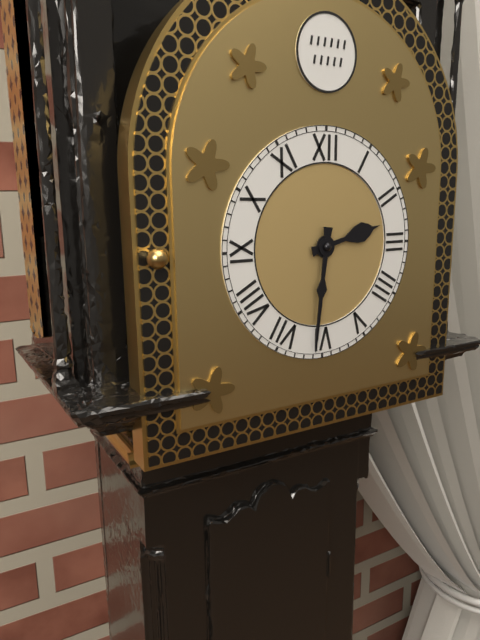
h=2 m=31
